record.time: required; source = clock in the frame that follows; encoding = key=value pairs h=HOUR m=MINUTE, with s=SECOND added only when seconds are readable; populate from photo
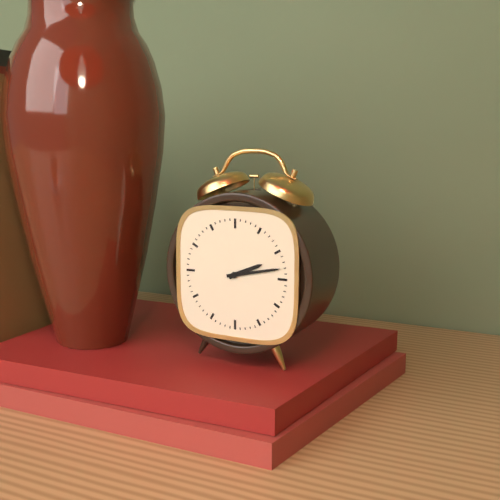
h=2 m=13
